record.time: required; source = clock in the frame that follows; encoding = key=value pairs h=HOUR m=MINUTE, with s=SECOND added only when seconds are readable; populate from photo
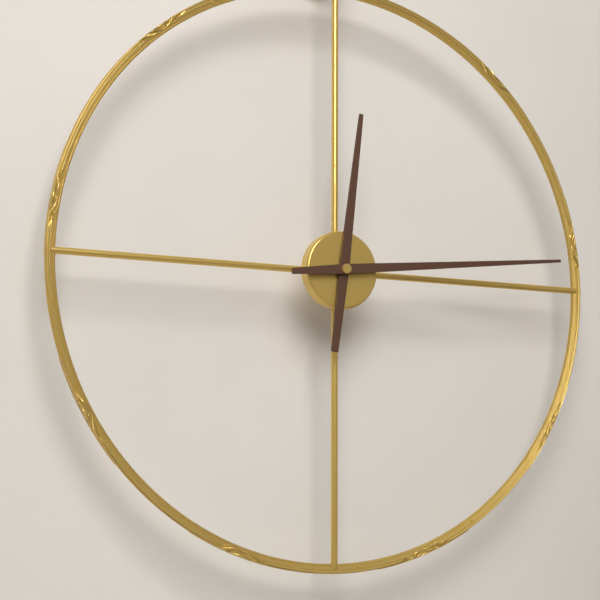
h=12 m=14
